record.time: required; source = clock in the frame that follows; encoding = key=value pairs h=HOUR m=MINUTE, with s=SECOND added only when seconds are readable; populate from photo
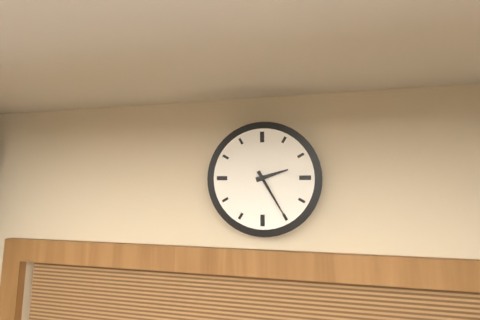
h=2 m=25
